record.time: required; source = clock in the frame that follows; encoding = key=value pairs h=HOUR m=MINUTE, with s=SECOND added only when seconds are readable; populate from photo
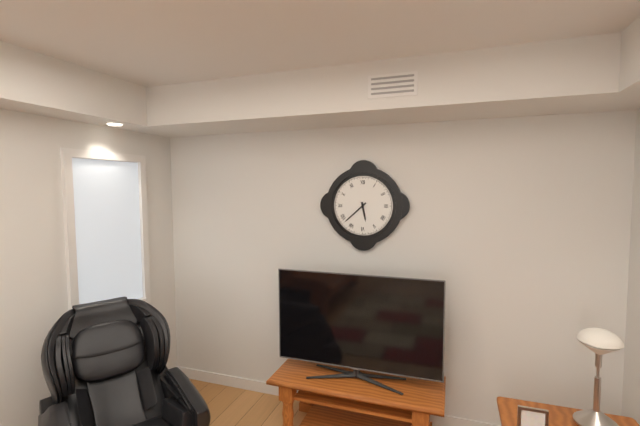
h=5 m=38
